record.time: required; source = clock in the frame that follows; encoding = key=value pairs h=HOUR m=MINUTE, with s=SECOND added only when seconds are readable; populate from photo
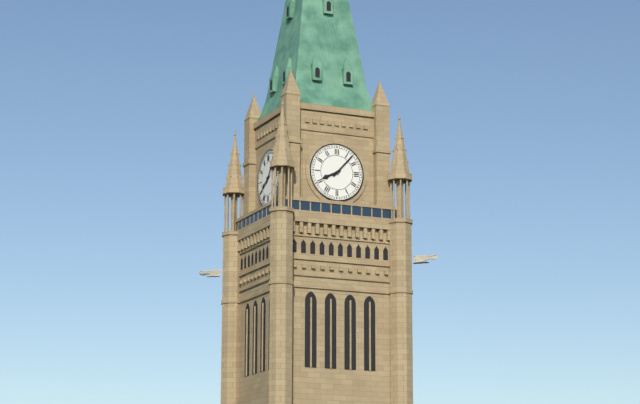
h=8 m=7
